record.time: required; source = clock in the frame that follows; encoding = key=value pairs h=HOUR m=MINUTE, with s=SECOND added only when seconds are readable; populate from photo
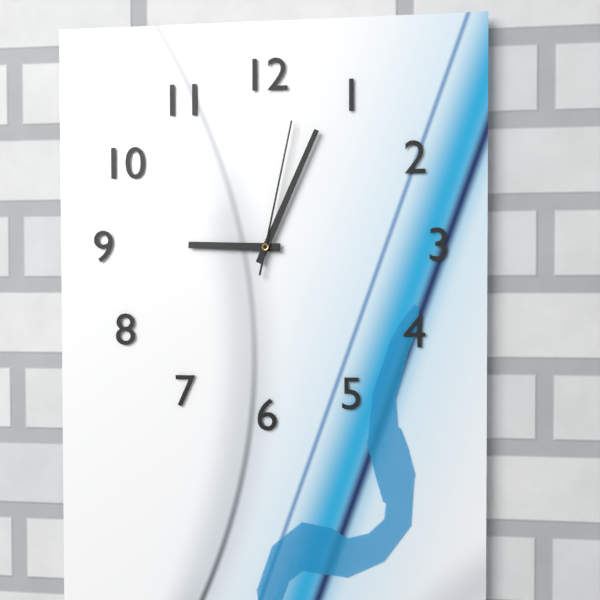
h=9 m=4 s=2
